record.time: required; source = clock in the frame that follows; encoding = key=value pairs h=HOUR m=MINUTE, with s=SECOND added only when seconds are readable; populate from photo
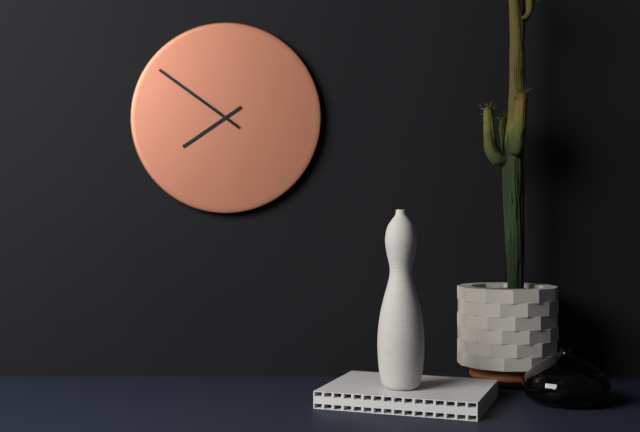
h=7 m=51
